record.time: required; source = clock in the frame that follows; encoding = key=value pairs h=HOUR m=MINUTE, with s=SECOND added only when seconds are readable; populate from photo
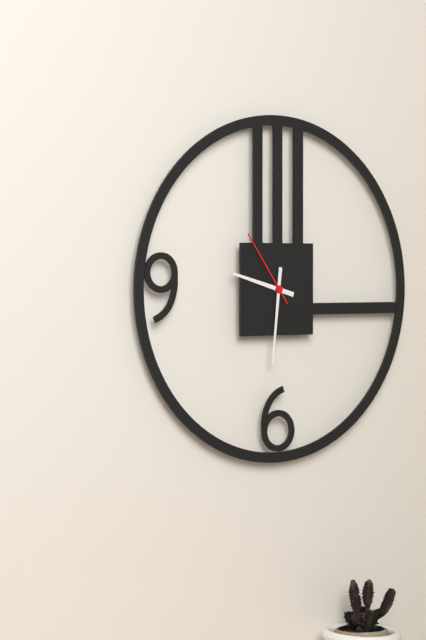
h=9 m=31 s=54
